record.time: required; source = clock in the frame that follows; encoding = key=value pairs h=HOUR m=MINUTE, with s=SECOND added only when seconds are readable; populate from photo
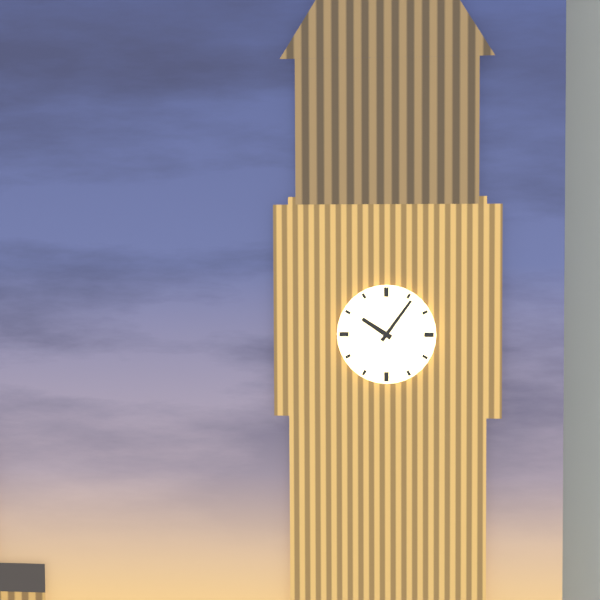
h=10 m=6
